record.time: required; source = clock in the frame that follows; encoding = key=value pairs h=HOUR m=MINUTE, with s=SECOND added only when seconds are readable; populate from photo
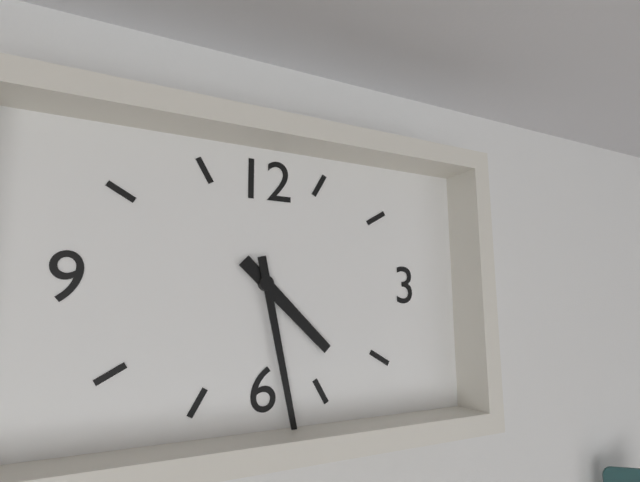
h=4 m=28
